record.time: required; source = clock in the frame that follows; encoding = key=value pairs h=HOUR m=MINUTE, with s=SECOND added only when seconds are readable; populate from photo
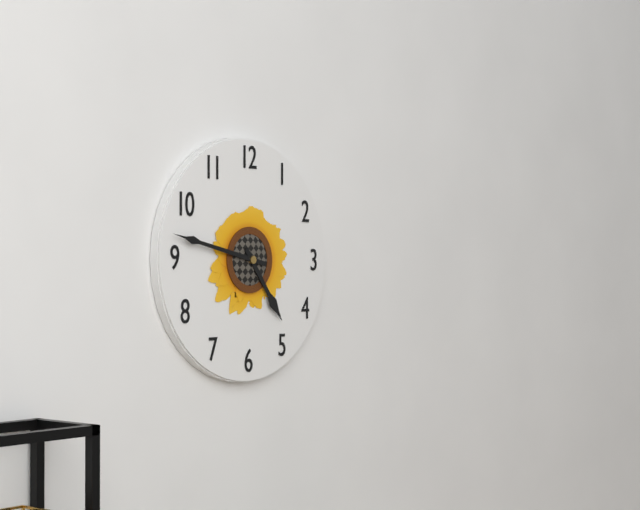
h=4 m=47
